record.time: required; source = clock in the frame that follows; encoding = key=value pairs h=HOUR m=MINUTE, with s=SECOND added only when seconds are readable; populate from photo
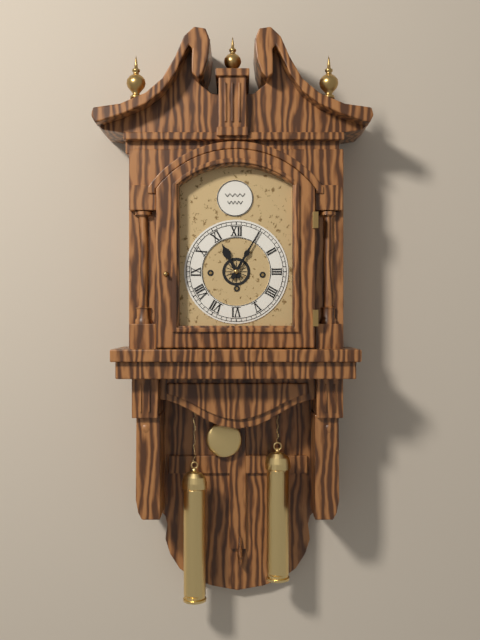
h=11 m=5
